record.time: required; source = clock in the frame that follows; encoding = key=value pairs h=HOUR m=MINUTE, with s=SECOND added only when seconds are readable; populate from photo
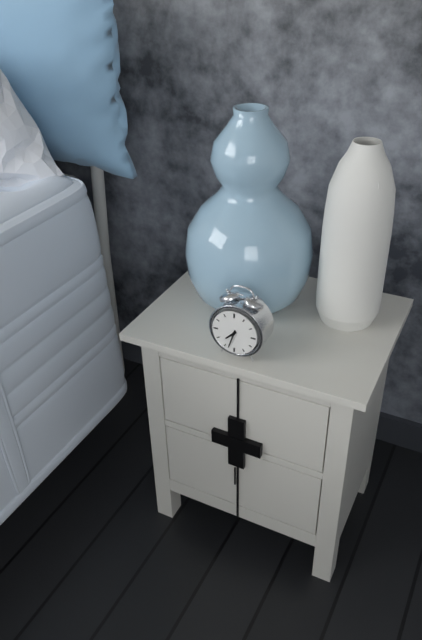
h=7 m=33
